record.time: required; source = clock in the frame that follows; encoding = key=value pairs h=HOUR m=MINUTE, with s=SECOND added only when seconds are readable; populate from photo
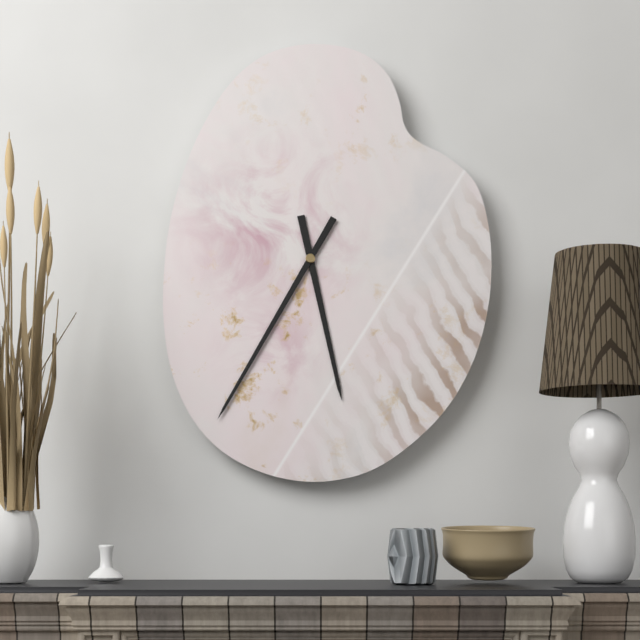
h=5 m=35
